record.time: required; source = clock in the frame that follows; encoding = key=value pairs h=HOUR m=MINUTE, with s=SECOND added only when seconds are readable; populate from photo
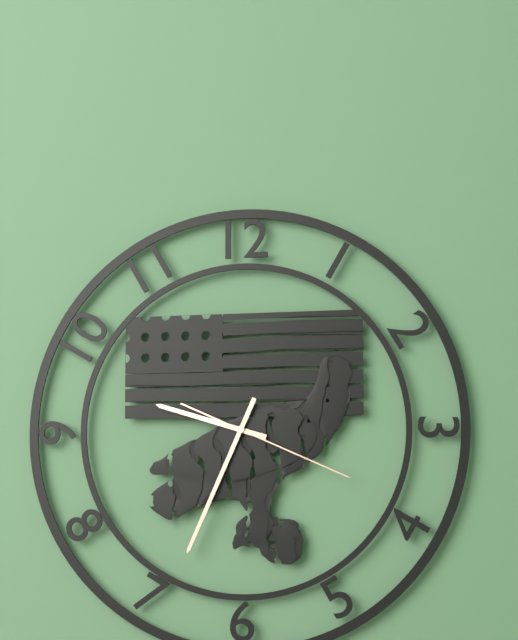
h=9 m=34 s=19
